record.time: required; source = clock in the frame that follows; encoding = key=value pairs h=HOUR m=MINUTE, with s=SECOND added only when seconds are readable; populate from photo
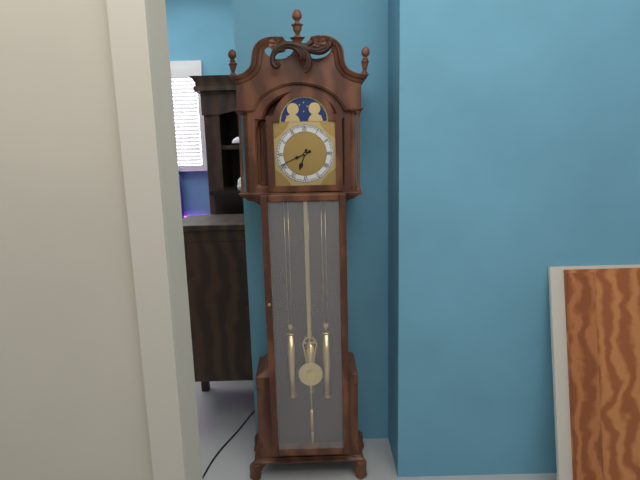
h=6 m=41
